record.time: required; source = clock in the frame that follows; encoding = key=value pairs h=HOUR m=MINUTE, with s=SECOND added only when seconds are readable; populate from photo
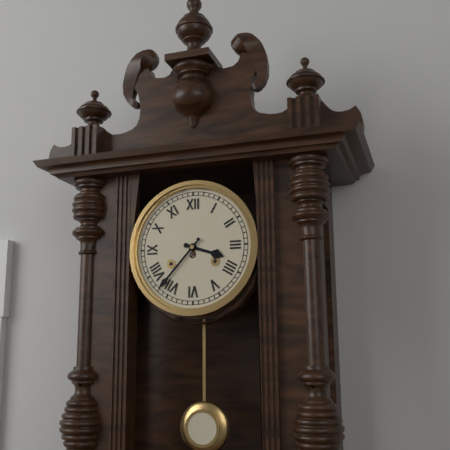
h=3 m=37
